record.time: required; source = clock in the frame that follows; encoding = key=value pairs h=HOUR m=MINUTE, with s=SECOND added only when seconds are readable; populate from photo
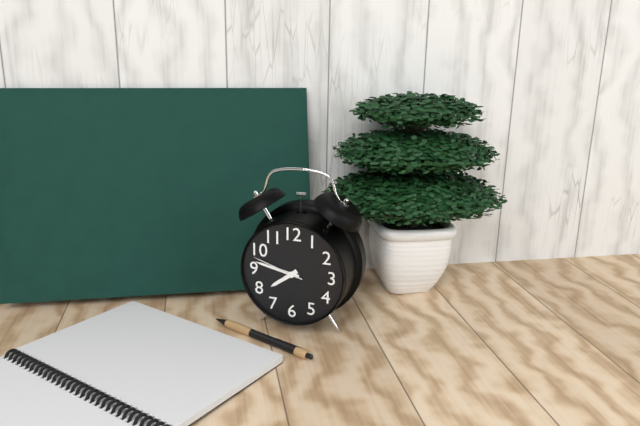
h=7 m=47 s=48
